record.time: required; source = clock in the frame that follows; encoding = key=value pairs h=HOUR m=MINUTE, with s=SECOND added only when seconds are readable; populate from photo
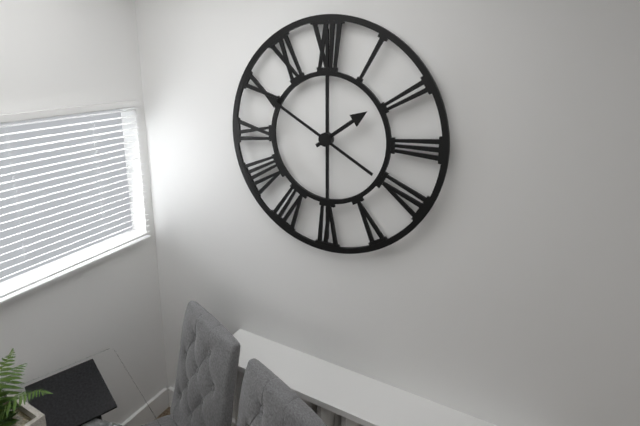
h=1 m=50
